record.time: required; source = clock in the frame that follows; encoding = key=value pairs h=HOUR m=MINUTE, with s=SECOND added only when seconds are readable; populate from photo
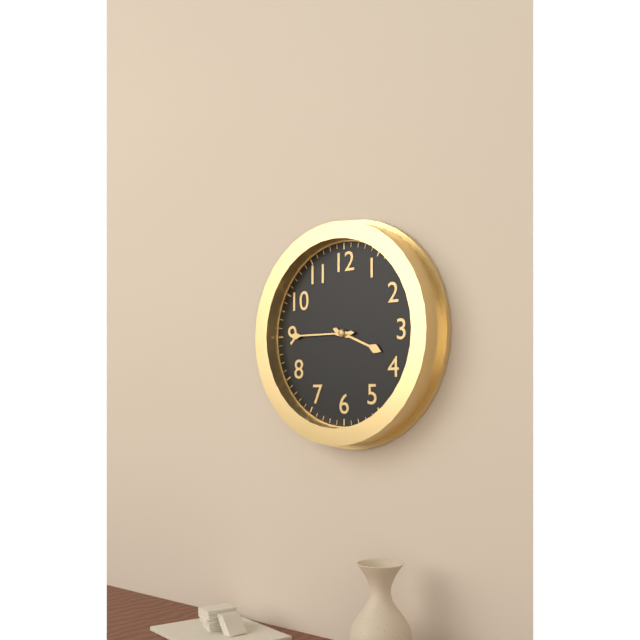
h=3 m=45
